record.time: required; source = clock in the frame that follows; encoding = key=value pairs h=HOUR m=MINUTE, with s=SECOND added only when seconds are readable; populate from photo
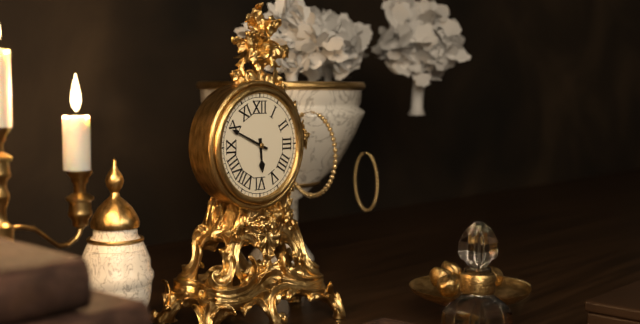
h=5 m=49
